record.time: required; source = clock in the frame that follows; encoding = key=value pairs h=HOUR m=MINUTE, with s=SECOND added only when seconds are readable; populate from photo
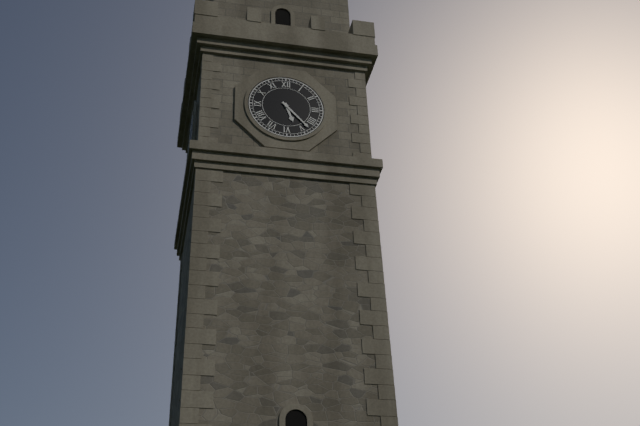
h=5 m=23
